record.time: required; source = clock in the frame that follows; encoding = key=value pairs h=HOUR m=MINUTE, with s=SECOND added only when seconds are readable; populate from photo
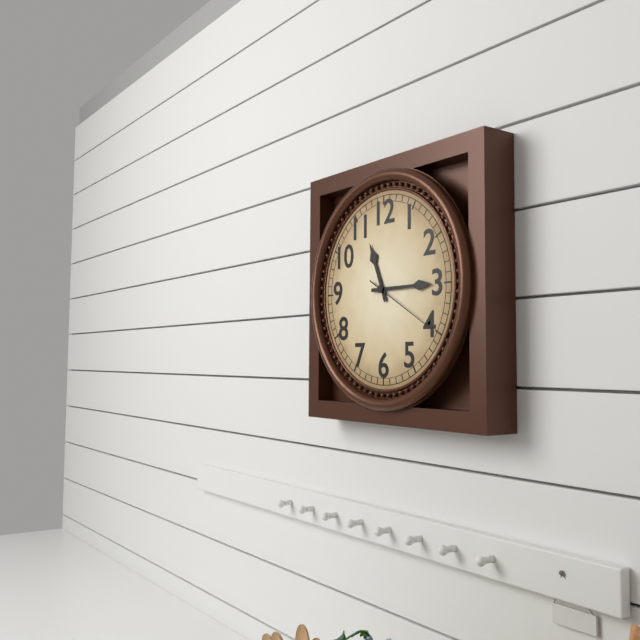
h=11 m=15 s=20
